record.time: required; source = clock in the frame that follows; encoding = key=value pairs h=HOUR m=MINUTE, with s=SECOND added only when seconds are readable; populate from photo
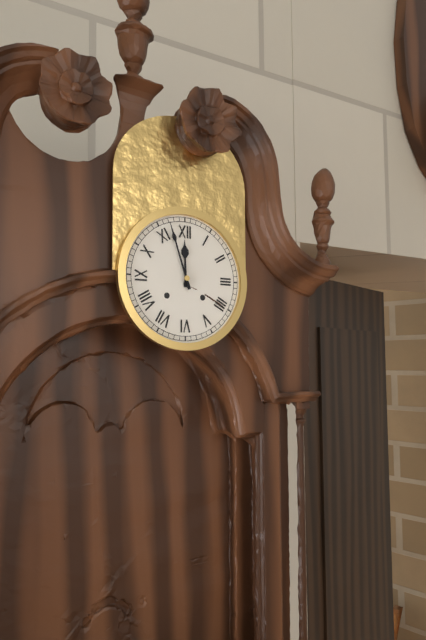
h=11 m=57
